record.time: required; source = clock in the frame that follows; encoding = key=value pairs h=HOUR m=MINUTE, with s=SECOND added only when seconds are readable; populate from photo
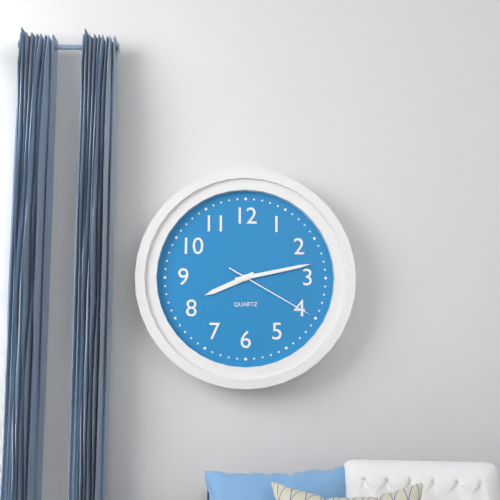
h=8 m=13 s=20
